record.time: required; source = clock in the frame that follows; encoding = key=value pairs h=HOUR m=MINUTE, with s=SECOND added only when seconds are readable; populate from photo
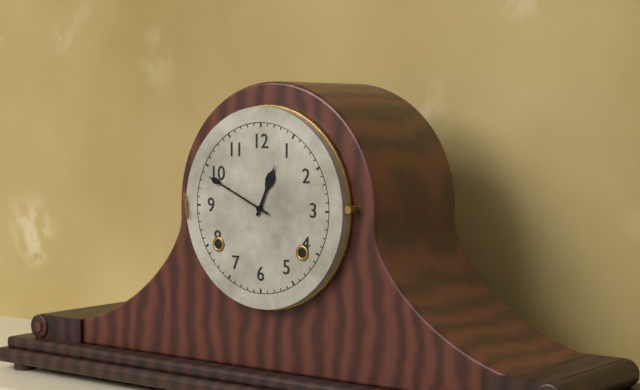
h=12 m=49
